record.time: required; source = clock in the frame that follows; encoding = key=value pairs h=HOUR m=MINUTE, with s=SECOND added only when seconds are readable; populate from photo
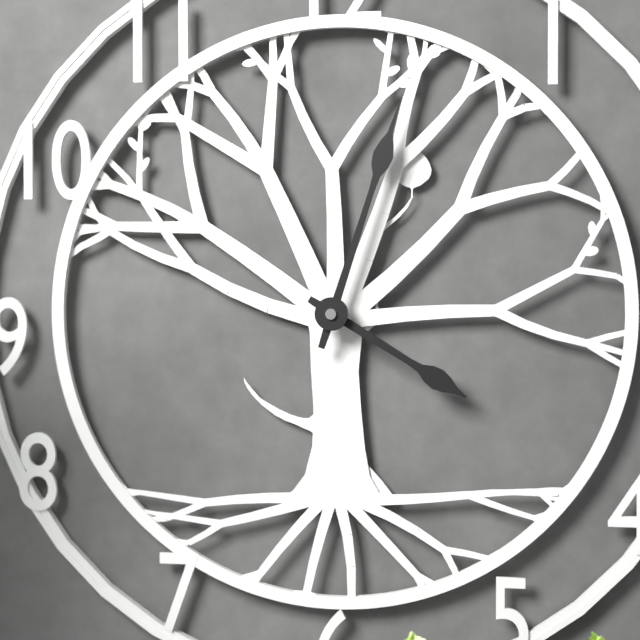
h=4 m=3
